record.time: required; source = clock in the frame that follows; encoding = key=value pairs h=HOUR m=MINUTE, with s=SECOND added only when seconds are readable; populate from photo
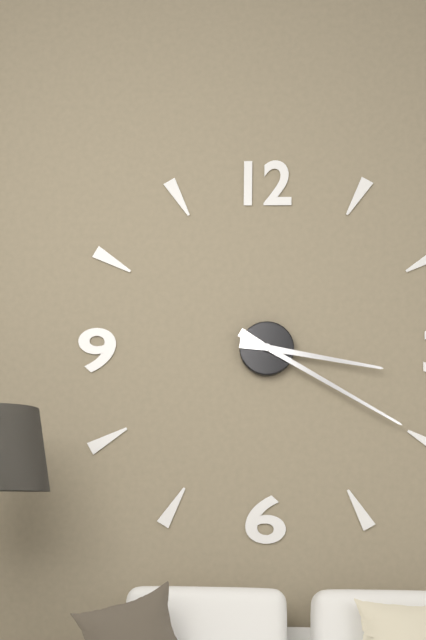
h=3 m=20
